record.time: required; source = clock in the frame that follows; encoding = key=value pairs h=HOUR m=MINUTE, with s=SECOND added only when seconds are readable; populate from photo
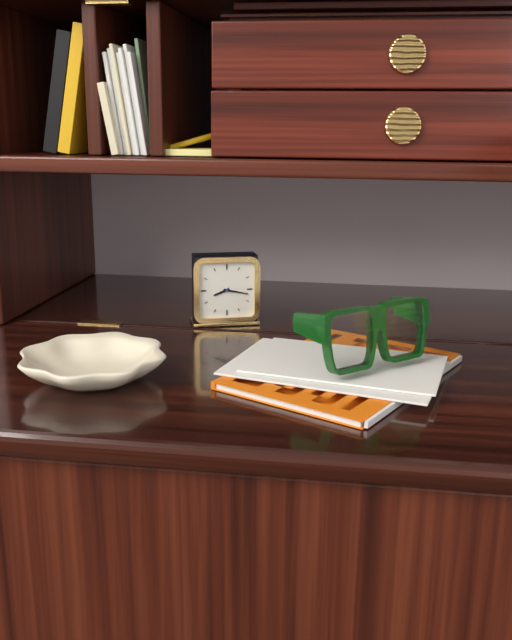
h=8 m=17
